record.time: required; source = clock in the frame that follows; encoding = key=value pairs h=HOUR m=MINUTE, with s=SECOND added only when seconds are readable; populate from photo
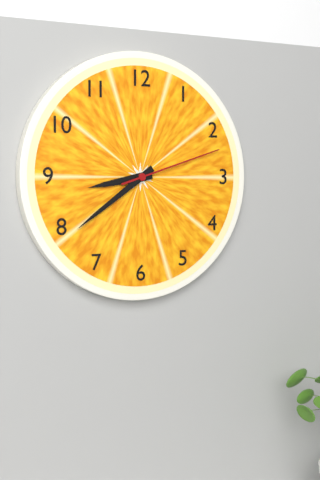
h=8 m=39 s=12
